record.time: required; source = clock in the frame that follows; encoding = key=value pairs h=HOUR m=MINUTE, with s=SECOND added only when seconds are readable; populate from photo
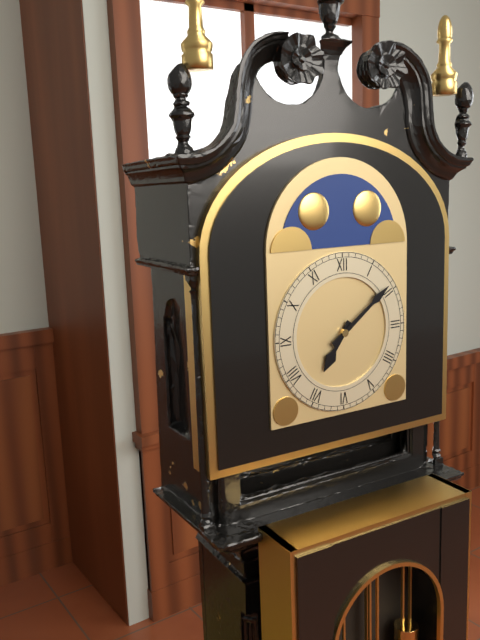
h=7 m=9
